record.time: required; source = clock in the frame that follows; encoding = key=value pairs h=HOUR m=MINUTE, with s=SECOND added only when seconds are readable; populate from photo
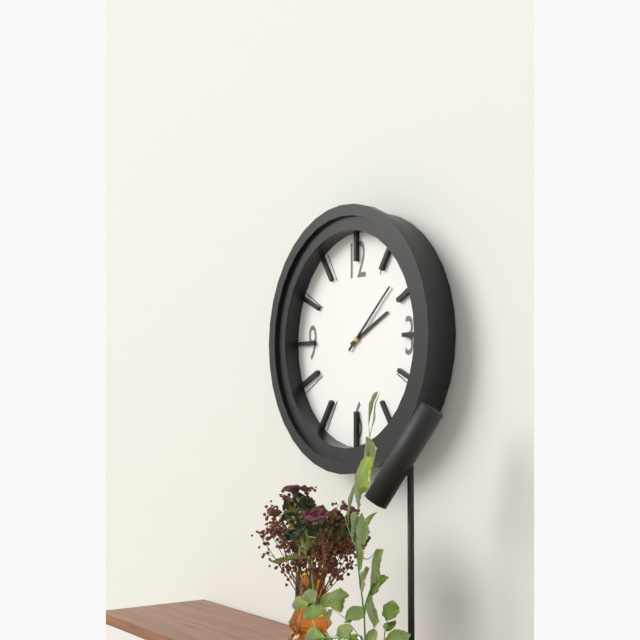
h=2 m=8
